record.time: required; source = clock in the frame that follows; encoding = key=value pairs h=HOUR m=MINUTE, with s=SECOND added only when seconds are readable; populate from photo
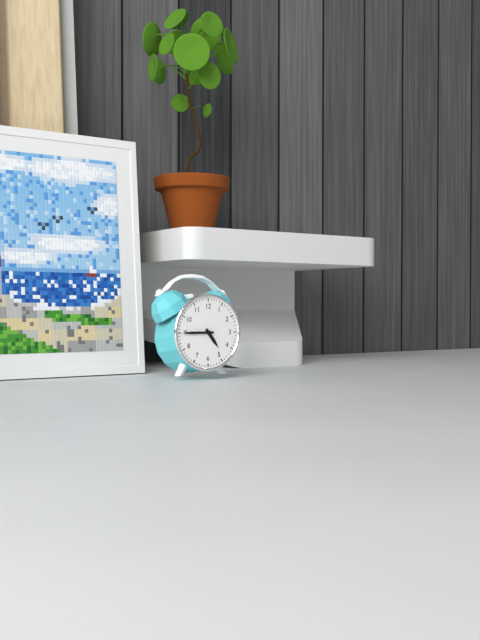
h=4 m=45
